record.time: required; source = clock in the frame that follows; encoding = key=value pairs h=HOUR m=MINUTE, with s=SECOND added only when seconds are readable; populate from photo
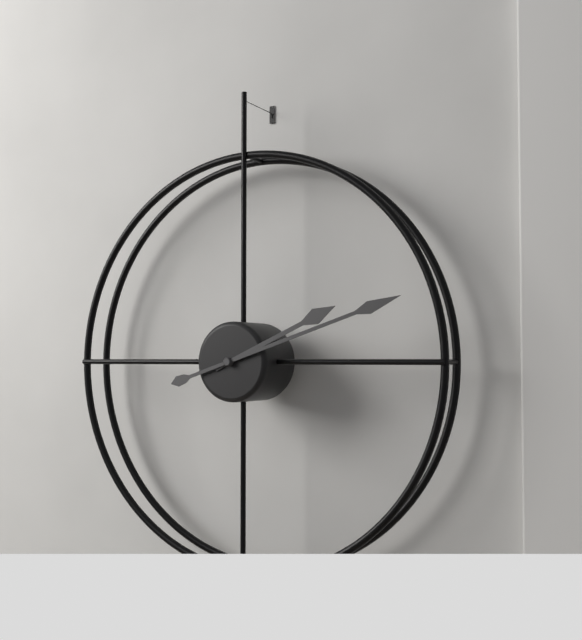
h=2 m=12
